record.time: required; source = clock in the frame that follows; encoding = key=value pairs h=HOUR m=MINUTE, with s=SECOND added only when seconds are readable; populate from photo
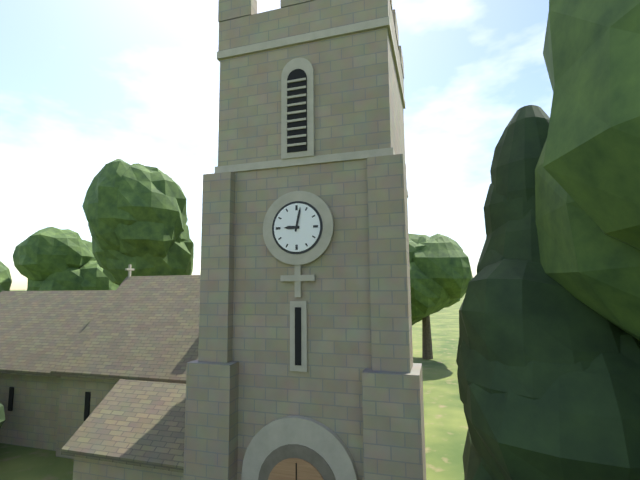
h=9 m=2
